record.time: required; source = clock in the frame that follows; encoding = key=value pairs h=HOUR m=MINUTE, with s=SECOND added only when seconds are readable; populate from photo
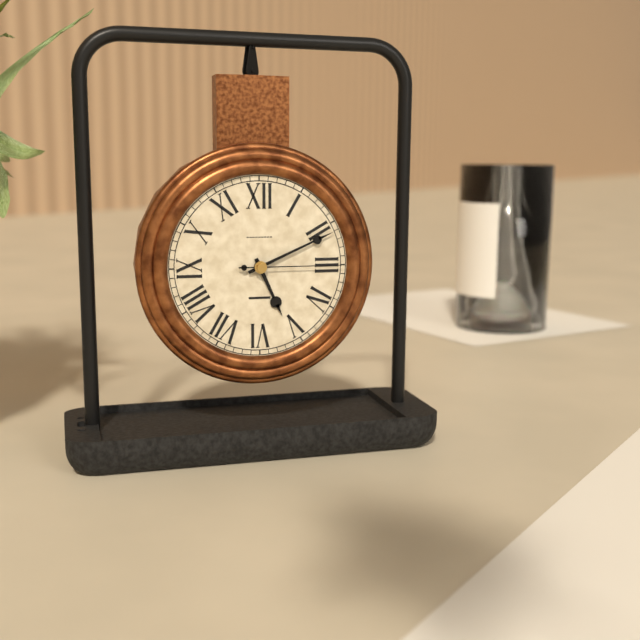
h=5 m=11 s=15
